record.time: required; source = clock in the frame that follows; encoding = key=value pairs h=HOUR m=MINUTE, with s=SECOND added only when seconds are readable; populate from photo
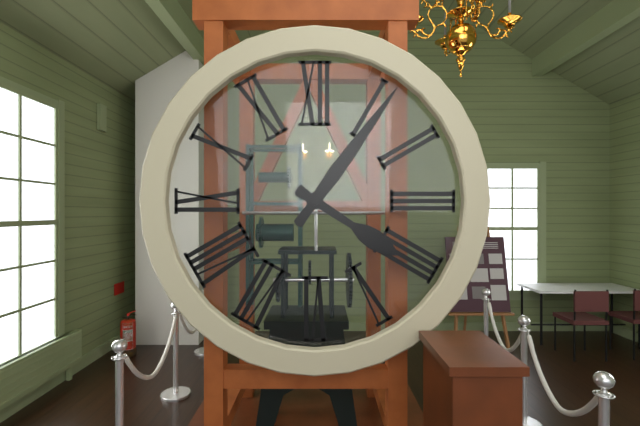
h=4 m=6
